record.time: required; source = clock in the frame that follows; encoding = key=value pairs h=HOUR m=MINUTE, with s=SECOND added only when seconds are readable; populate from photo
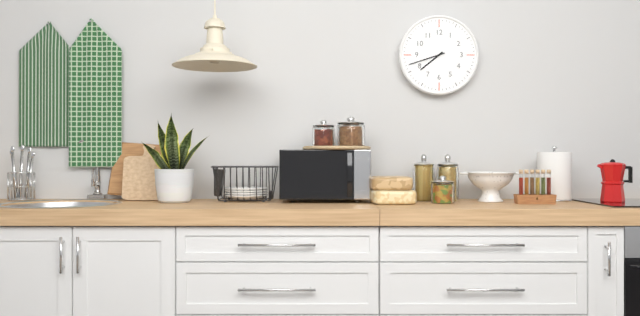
h=7 m=42
